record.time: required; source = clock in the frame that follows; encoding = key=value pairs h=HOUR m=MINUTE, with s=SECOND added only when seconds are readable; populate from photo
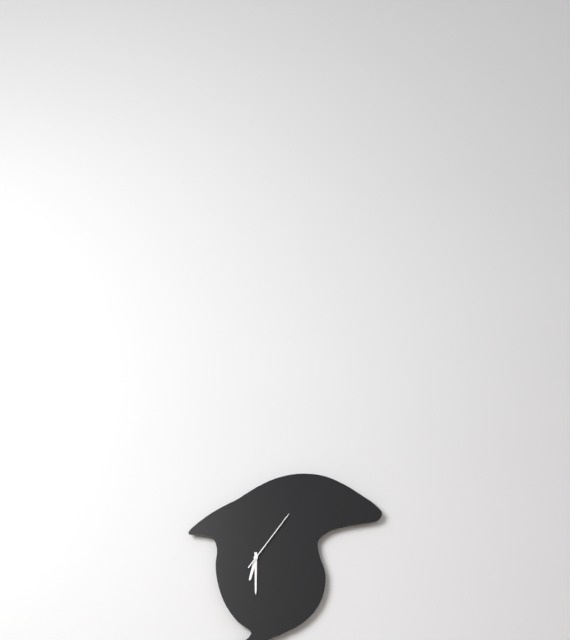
h=6 m=30 s=6
